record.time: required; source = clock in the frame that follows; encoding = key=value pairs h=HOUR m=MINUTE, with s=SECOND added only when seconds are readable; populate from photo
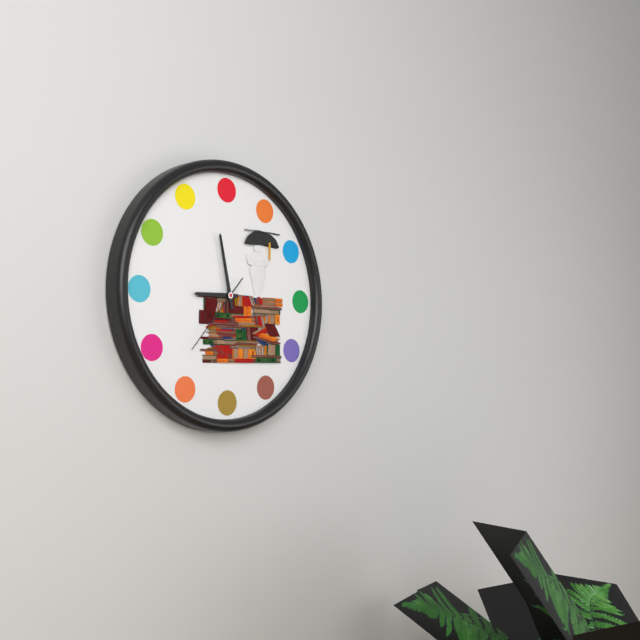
h=8 m=58 s=37
